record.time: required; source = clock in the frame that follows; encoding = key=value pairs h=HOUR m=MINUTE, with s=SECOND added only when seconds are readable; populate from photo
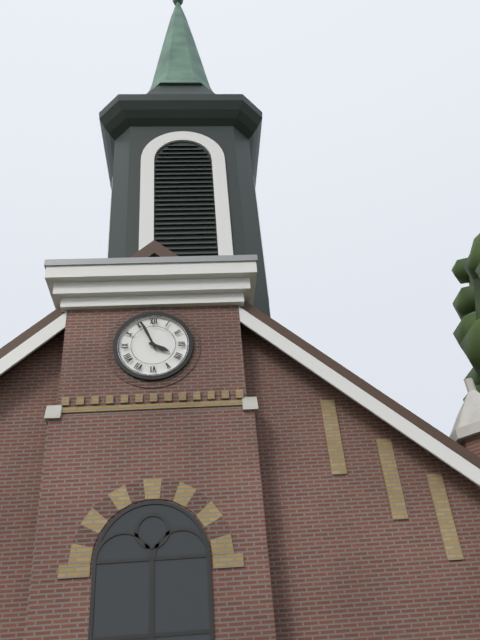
h=3 m=56
